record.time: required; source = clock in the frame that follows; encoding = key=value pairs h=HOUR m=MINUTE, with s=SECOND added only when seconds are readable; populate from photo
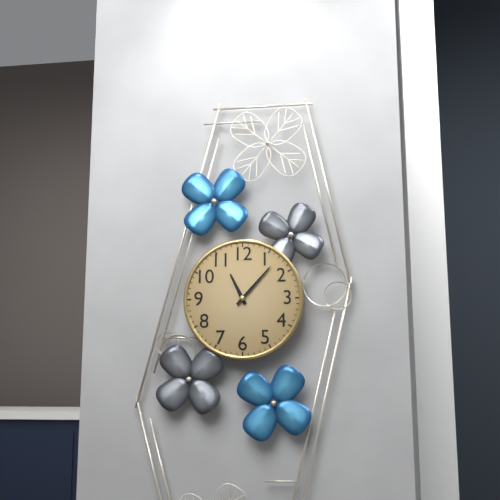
h=11 m=7
